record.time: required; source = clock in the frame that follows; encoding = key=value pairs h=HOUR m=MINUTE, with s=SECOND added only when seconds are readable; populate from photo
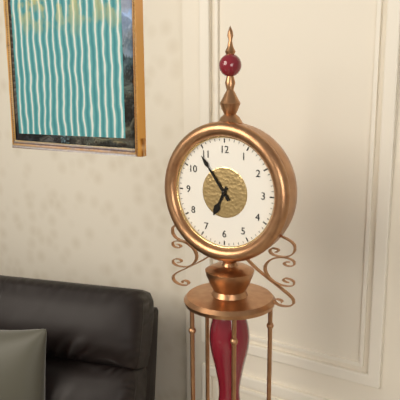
h=6 m=54
